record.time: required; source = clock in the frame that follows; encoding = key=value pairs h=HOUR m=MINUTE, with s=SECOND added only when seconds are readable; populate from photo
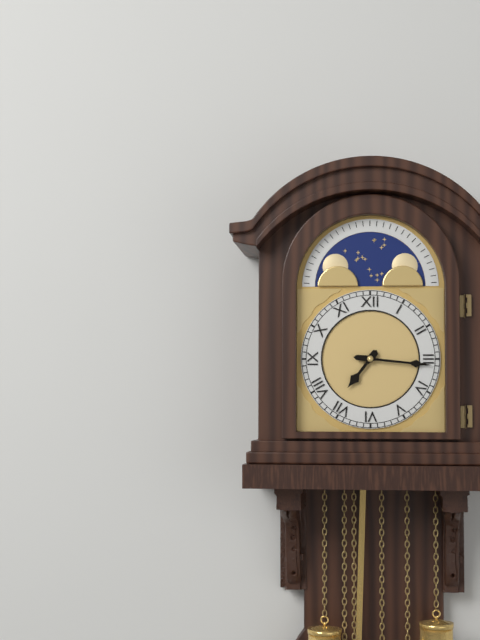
h=7 m=16
